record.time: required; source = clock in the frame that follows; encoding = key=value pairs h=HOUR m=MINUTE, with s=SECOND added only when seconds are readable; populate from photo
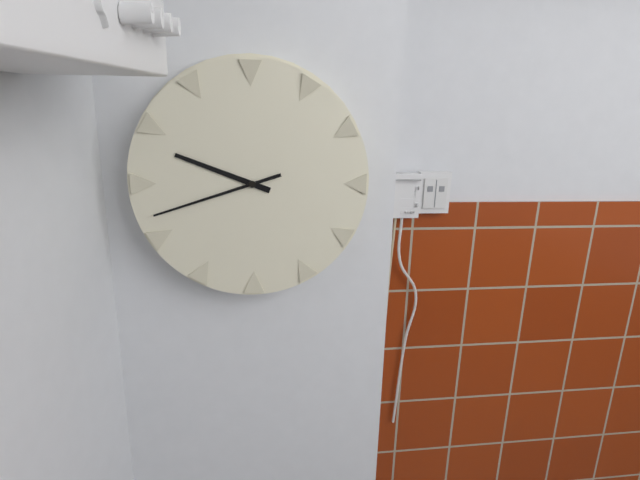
h=9 m=42
